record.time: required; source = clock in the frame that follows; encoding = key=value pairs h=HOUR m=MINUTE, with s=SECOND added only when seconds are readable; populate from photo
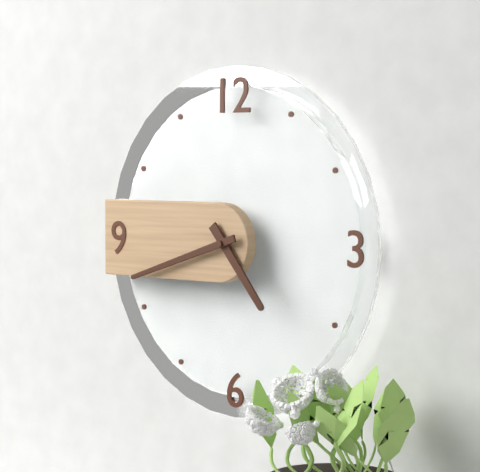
h=4 m=42
